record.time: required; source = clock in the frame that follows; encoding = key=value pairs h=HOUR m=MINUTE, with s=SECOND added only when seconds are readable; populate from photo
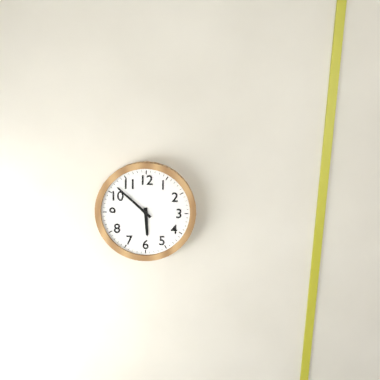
h=5 m=52
